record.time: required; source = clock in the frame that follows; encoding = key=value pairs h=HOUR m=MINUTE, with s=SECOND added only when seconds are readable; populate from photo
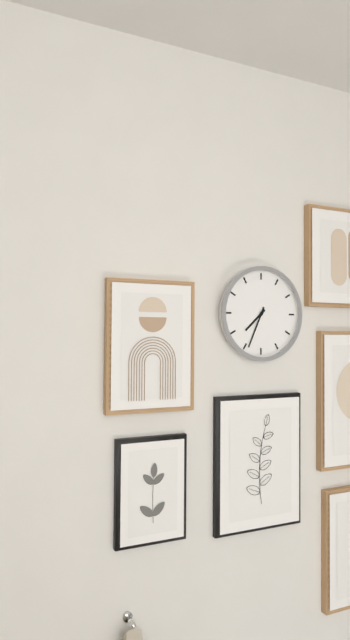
h=7 m=34
